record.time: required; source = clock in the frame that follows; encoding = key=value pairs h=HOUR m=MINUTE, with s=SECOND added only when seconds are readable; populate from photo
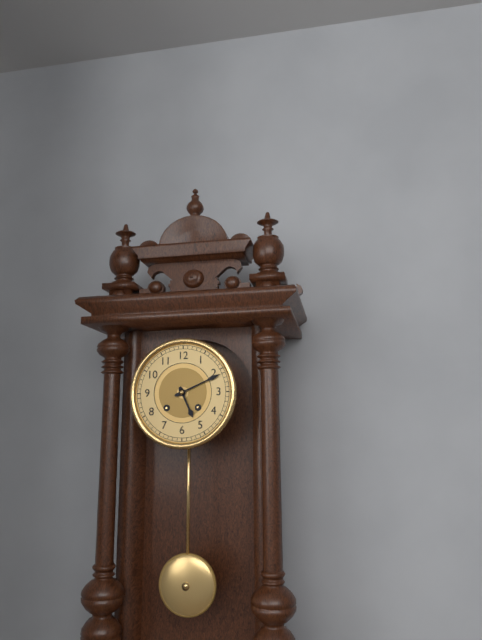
h=5 m=11
